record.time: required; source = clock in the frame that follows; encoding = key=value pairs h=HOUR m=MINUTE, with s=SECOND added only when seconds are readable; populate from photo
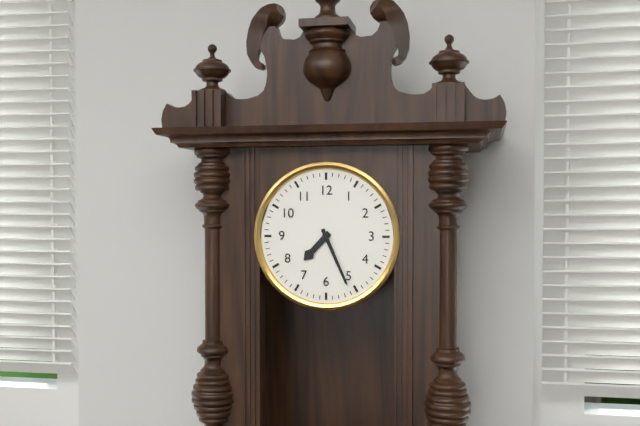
h=7 m=26
